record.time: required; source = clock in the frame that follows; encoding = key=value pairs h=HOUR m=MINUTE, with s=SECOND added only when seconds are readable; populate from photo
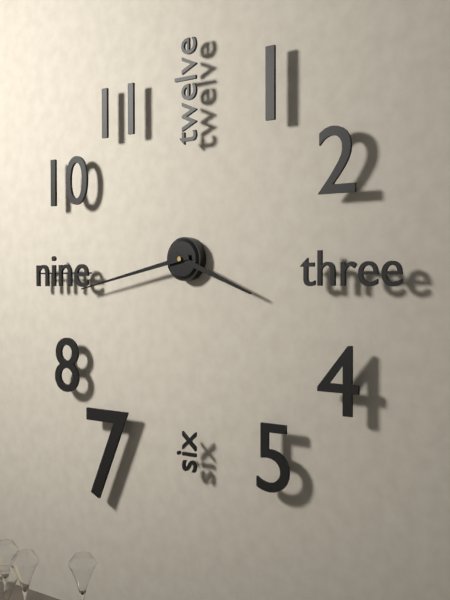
h=3 m=43
